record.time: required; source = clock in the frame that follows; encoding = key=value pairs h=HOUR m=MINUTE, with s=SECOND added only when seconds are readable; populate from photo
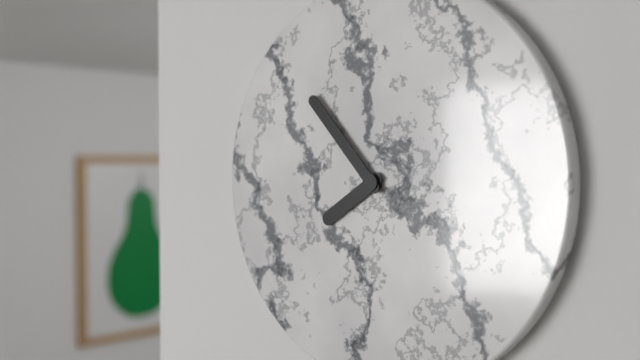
h=7 m=53
